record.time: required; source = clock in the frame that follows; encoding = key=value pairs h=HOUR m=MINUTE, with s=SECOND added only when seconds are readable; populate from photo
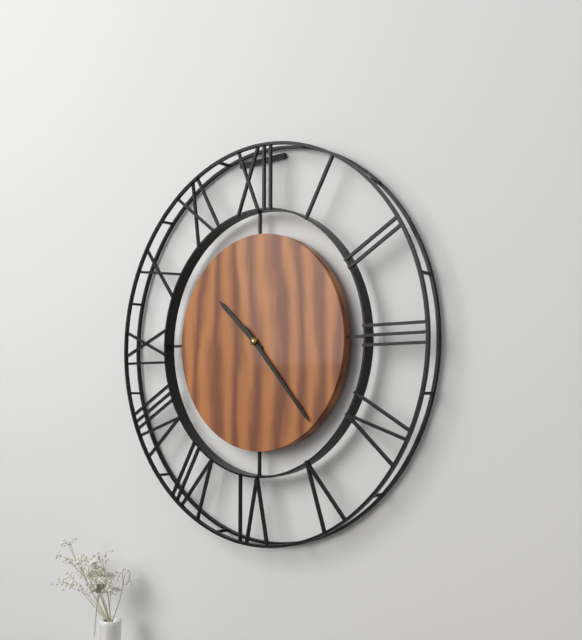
h=10 m=23
